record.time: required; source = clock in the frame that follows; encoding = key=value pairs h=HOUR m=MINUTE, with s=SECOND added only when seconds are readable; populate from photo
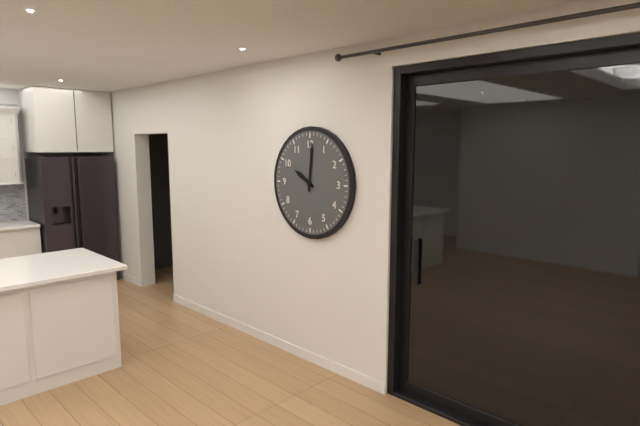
h=10 m=1
